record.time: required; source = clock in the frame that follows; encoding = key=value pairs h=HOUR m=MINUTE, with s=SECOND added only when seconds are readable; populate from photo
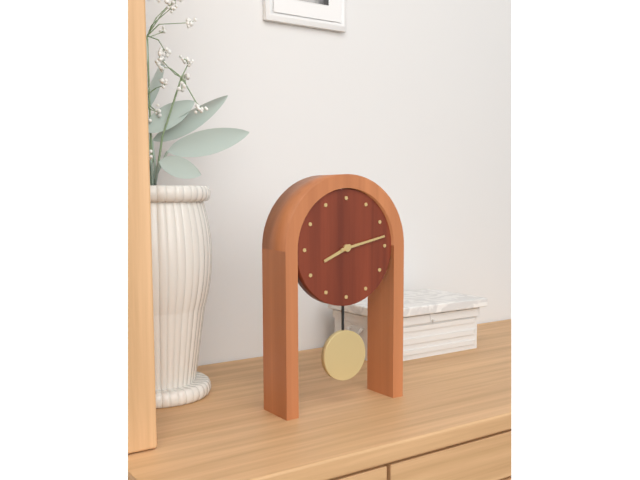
h=8 m=13
